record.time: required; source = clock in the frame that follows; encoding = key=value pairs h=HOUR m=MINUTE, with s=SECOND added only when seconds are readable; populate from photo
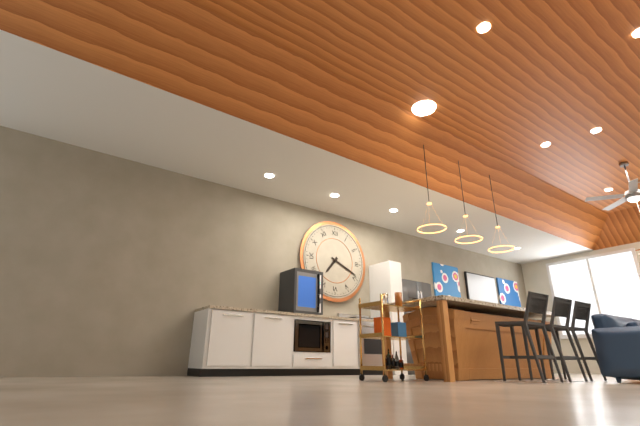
h=7 m=19
